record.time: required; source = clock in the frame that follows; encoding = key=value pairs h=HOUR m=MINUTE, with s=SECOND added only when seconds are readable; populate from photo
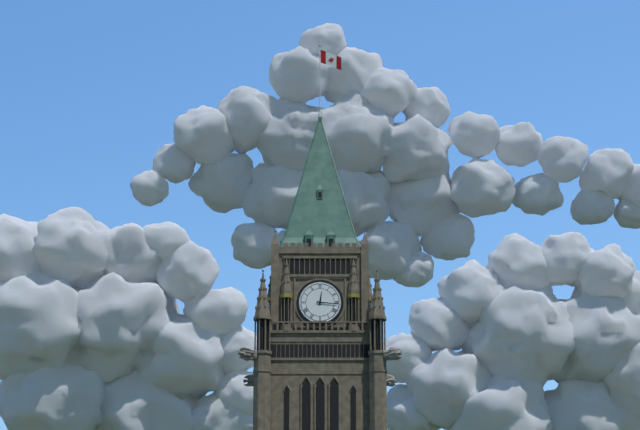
h=12 m=16
